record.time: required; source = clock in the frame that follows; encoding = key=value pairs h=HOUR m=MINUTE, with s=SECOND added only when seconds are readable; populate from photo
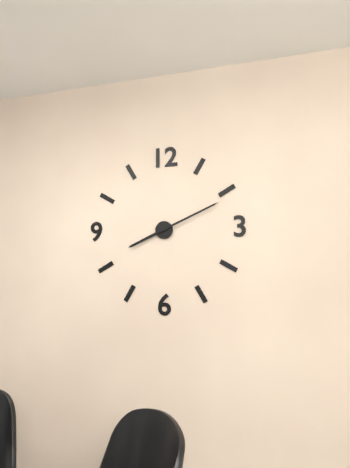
h=8 m=11
